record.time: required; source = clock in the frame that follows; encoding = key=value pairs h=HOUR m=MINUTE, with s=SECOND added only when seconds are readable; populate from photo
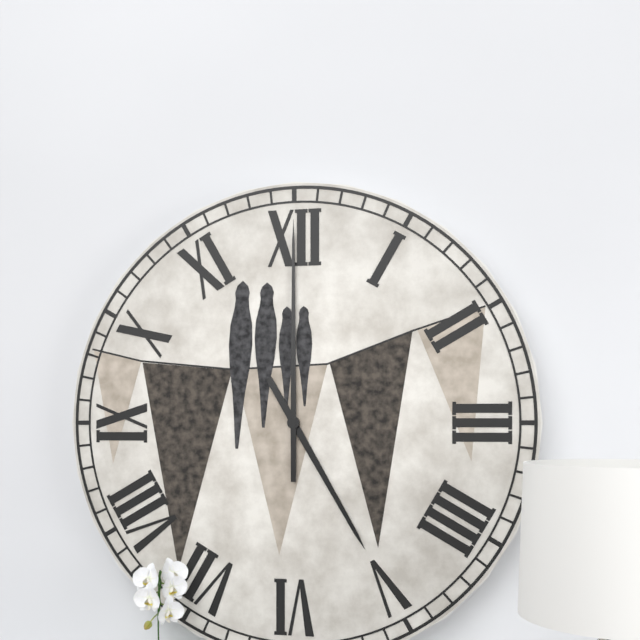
h=5 m=0
